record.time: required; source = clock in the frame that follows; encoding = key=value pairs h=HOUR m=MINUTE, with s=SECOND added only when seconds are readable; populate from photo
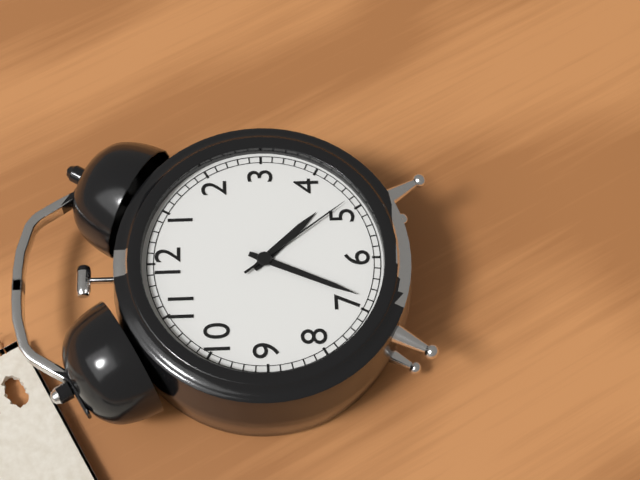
h=4 m=34 s=24
